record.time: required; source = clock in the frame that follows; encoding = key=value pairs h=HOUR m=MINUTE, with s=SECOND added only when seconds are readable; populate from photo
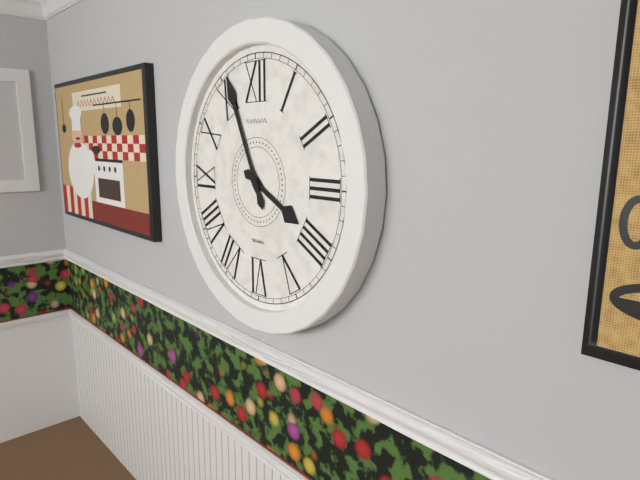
h=3 m=56
